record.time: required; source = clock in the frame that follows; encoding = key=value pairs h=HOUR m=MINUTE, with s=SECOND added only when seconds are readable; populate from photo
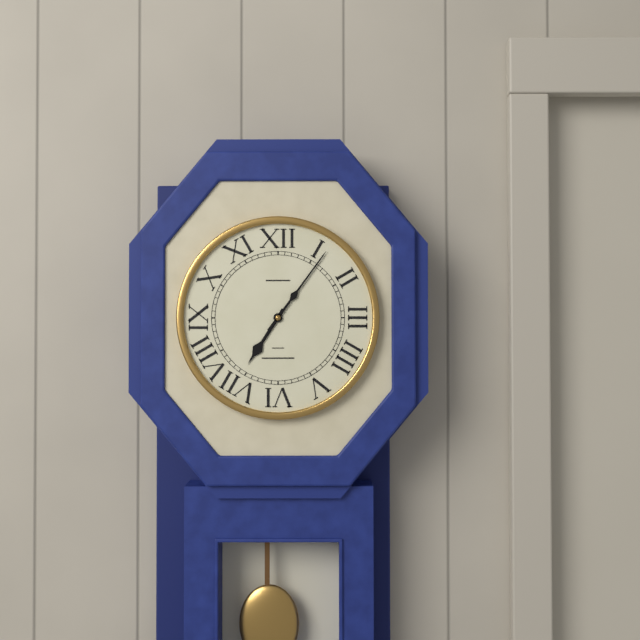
h=7 m=6
